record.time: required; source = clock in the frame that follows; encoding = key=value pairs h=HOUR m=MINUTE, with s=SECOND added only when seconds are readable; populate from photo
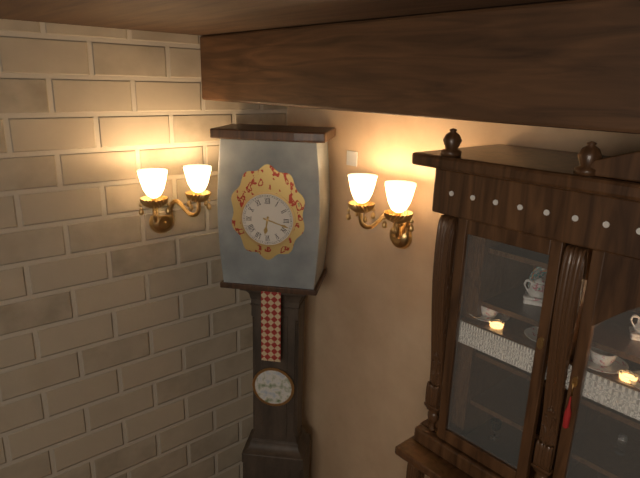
h=6 m=18
